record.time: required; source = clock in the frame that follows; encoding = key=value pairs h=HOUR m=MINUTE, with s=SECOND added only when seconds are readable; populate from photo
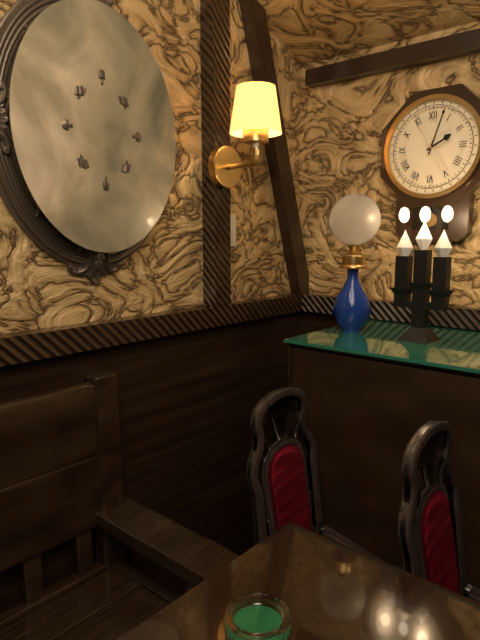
h=2 m=3
